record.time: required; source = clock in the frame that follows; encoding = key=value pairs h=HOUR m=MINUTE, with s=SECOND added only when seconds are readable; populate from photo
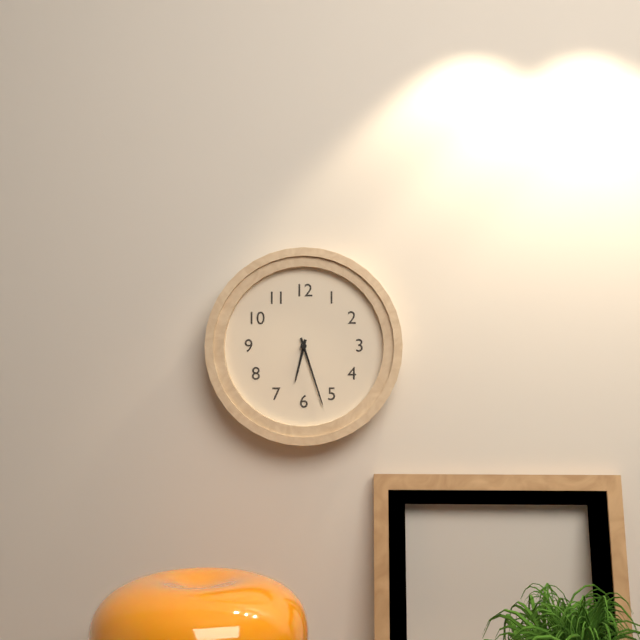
h=6 m=27
